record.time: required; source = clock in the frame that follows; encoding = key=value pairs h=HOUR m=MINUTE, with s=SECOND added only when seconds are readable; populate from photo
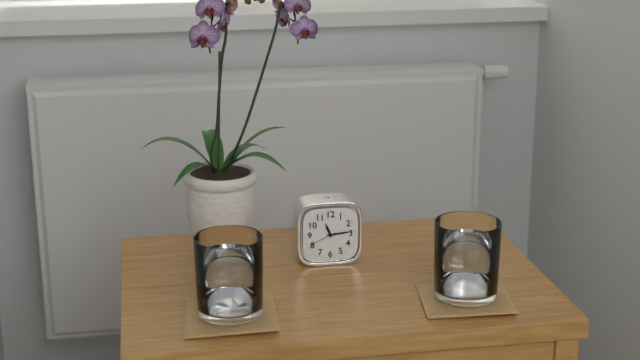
h=11 m=14
